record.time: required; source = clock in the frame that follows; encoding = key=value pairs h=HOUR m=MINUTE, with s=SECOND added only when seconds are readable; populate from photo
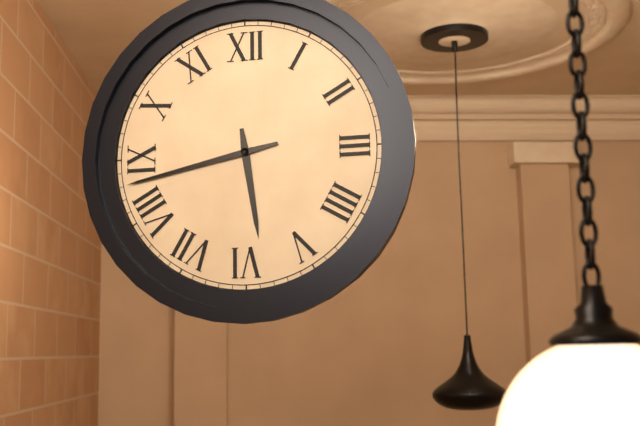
h=5 m=43
